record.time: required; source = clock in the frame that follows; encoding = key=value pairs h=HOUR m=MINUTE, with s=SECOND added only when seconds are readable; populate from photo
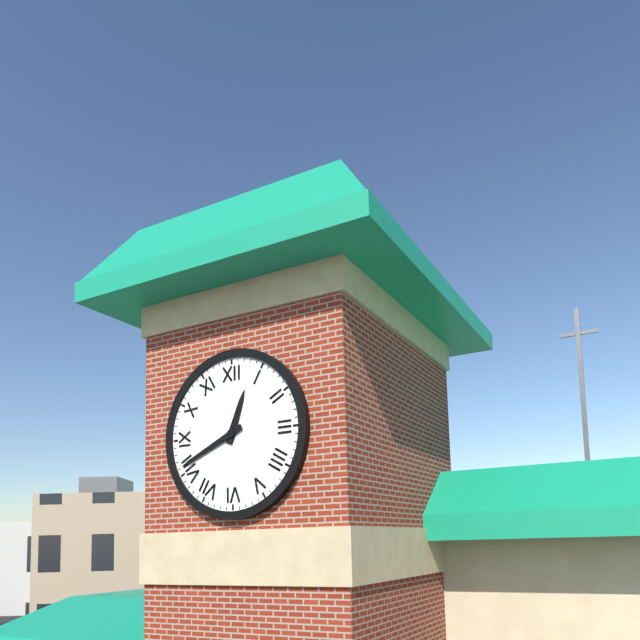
h=12 m=41
